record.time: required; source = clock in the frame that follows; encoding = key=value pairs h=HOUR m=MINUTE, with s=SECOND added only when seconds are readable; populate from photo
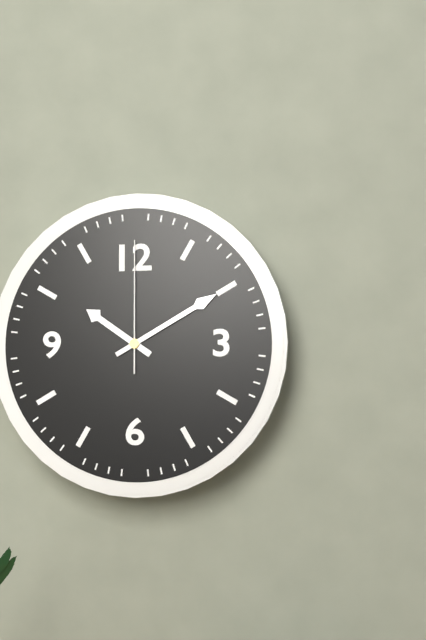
h=10 m=10 s=0
